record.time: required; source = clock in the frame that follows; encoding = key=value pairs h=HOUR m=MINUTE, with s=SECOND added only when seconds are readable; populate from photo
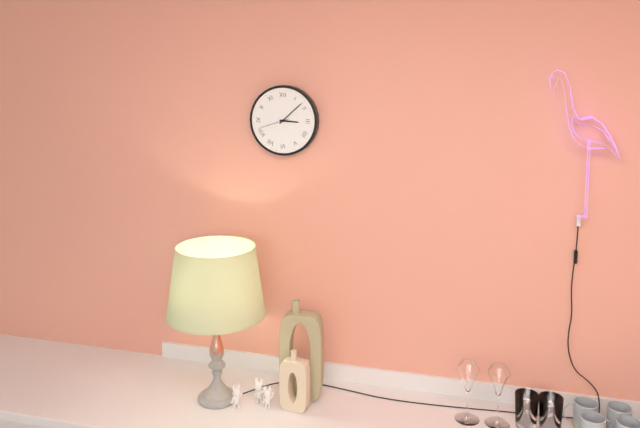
h=3 m=8
